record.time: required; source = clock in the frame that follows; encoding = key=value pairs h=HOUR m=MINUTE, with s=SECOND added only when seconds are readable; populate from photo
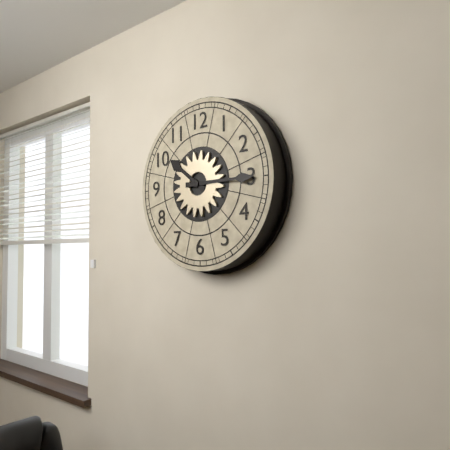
h=10 m=15
